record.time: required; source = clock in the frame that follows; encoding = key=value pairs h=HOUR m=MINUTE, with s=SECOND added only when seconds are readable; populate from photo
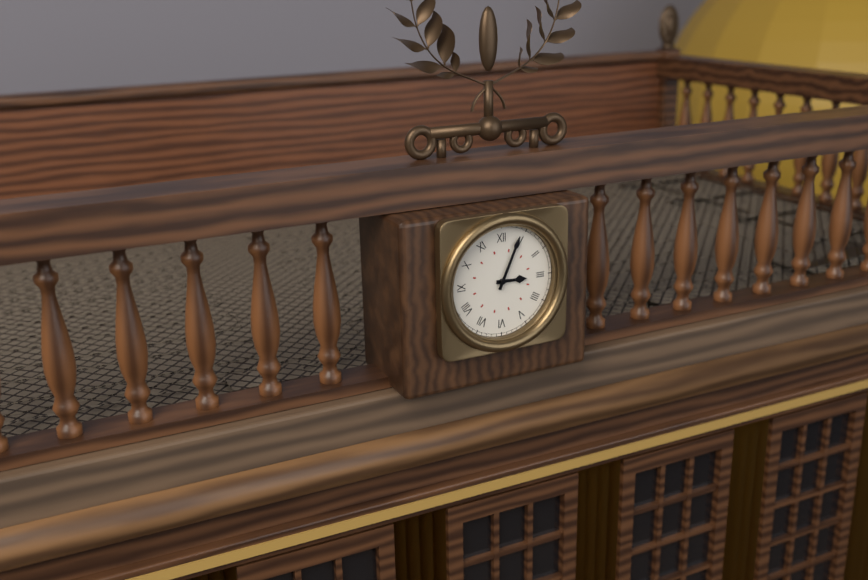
h=3 m=4
